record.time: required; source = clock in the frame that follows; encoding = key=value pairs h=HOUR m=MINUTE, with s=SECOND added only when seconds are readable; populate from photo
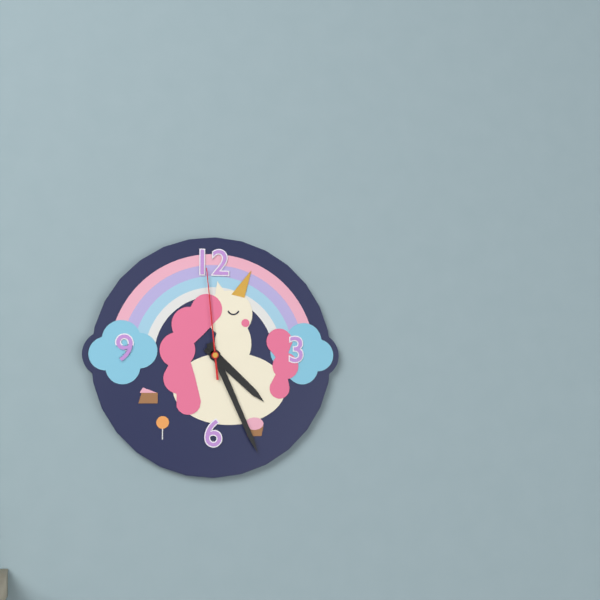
h=4 m=26 s=59
